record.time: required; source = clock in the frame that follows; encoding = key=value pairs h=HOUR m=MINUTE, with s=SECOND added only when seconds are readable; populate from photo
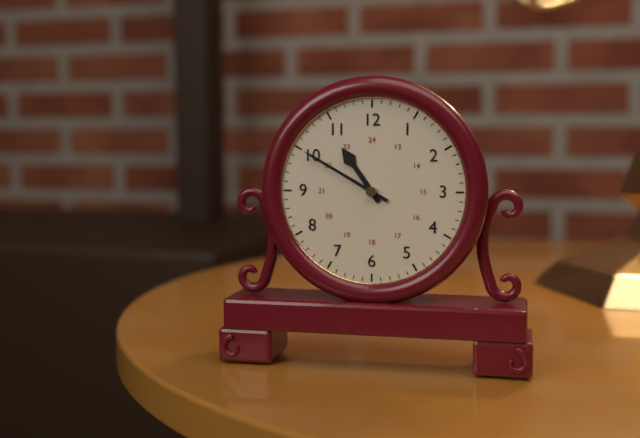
h=10 m=50
